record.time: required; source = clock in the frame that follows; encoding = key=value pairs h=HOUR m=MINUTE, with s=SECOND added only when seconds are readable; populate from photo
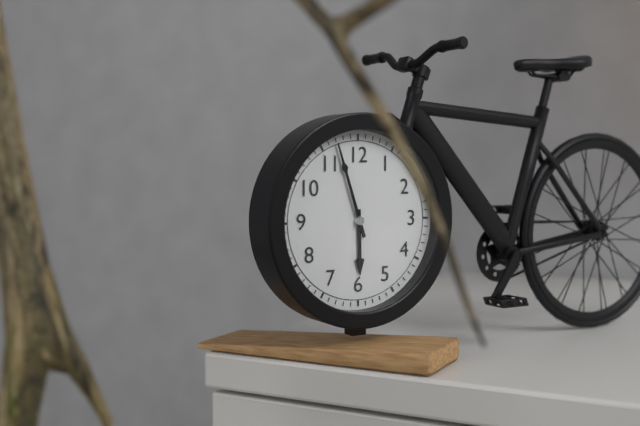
h=5 m=57
